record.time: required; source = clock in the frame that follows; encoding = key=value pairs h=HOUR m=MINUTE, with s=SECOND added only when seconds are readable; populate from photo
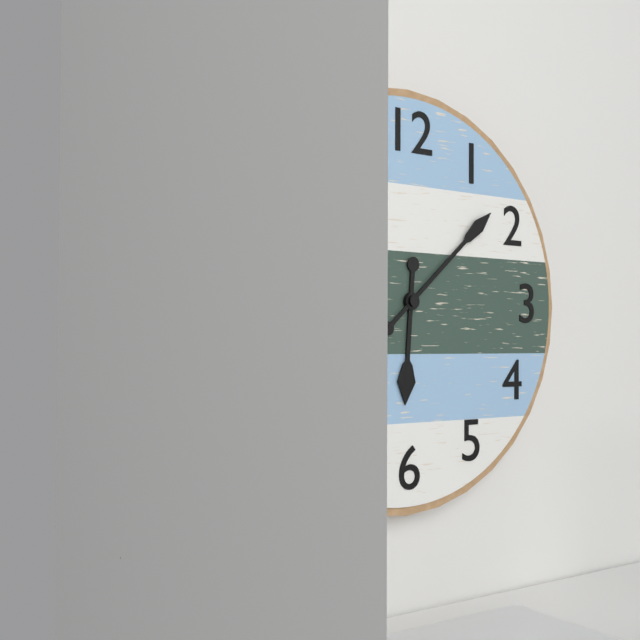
h=6 m=8
